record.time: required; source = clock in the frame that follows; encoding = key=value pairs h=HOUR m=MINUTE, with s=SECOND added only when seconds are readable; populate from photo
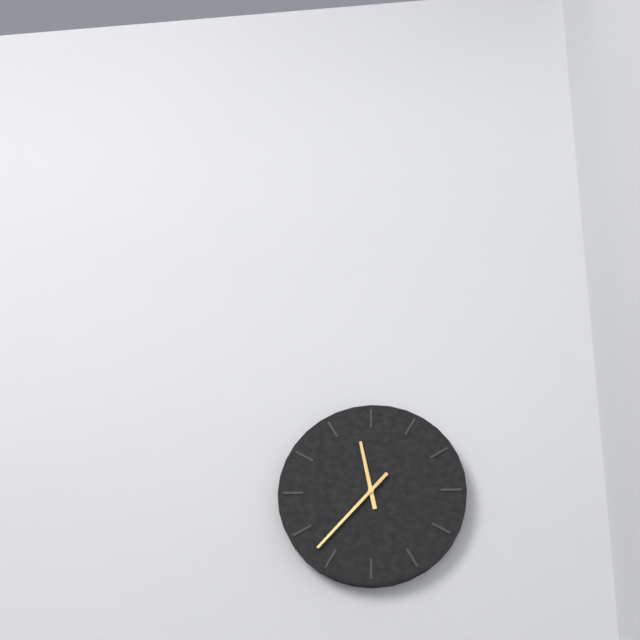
h=11 m=37
